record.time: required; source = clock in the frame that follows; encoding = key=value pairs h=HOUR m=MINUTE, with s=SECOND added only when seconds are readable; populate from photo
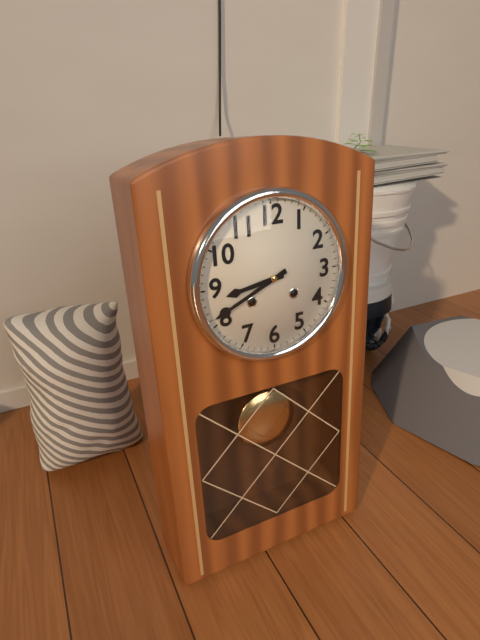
h=8 m=41
